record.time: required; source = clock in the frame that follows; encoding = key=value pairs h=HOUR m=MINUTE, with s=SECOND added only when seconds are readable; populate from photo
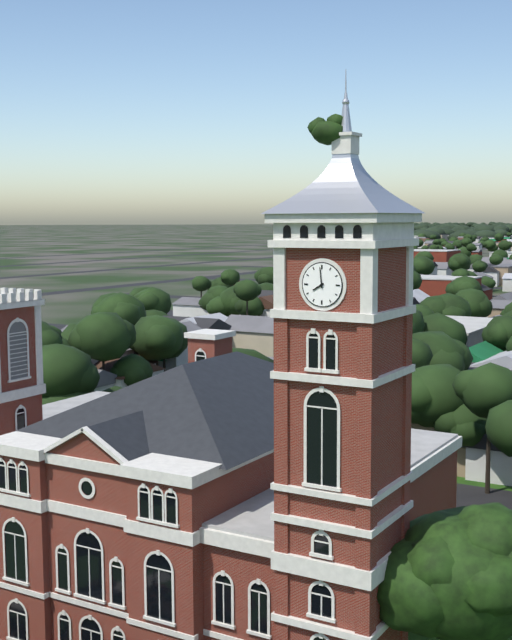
h=7 m=59
